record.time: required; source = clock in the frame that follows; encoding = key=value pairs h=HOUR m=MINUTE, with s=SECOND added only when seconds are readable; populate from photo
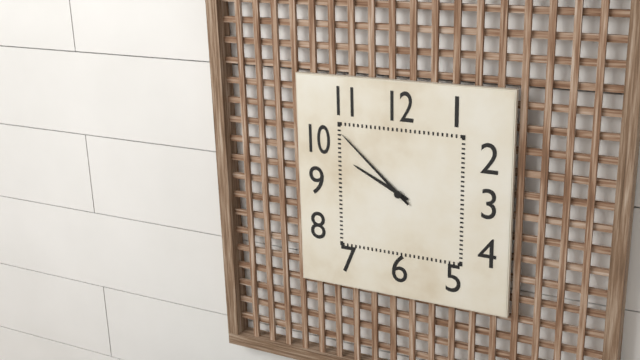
h=9 m=52
